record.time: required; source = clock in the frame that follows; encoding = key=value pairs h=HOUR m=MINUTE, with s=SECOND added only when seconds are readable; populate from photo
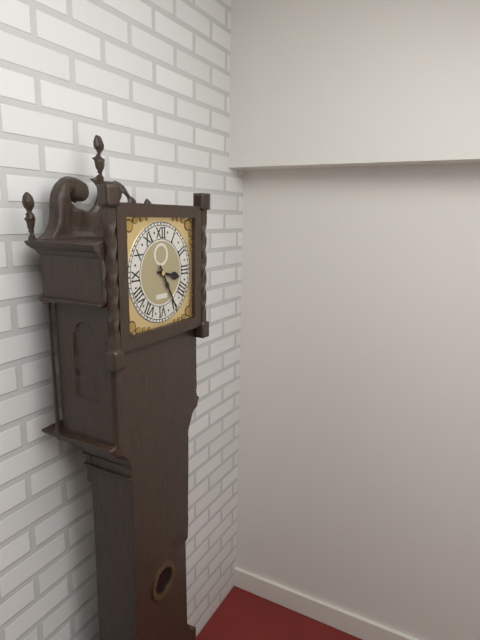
h=3 m=25
